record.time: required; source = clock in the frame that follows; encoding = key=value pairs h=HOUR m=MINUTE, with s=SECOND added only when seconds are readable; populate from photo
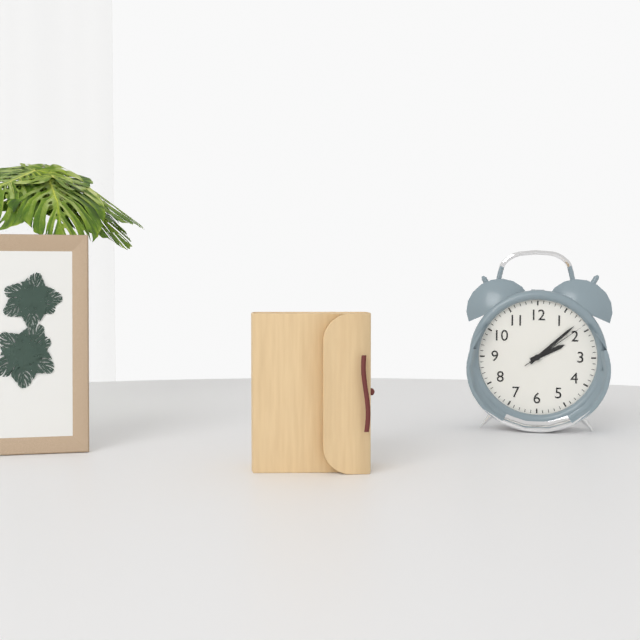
h=2 m=8 s=9
